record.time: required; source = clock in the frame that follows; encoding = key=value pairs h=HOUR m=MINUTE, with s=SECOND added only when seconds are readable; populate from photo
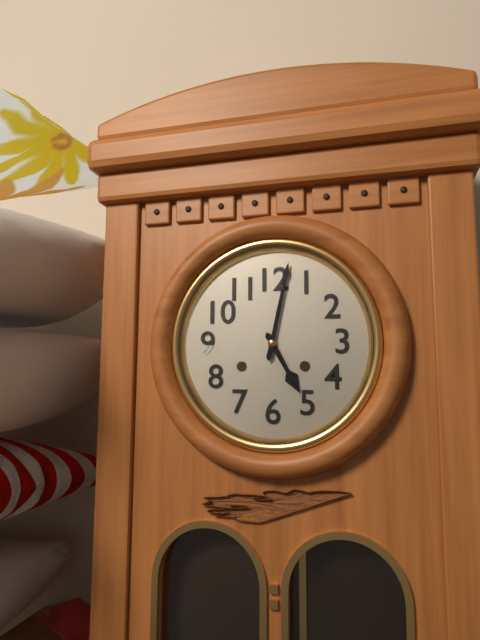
h=5 m=2
